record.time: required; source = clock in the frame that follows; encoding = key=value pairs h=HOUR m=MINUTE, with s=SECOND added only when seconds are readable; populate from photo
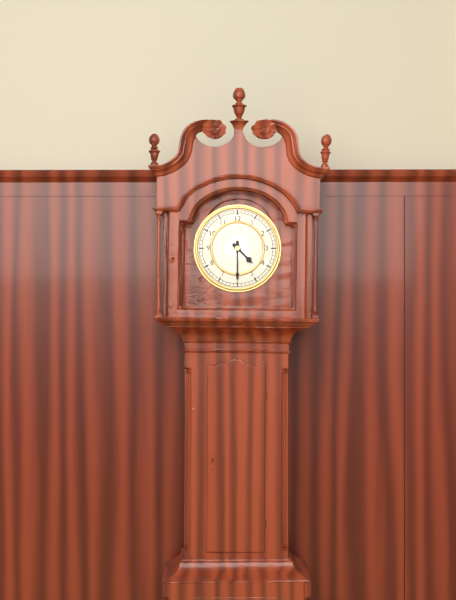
h=4 m=30
